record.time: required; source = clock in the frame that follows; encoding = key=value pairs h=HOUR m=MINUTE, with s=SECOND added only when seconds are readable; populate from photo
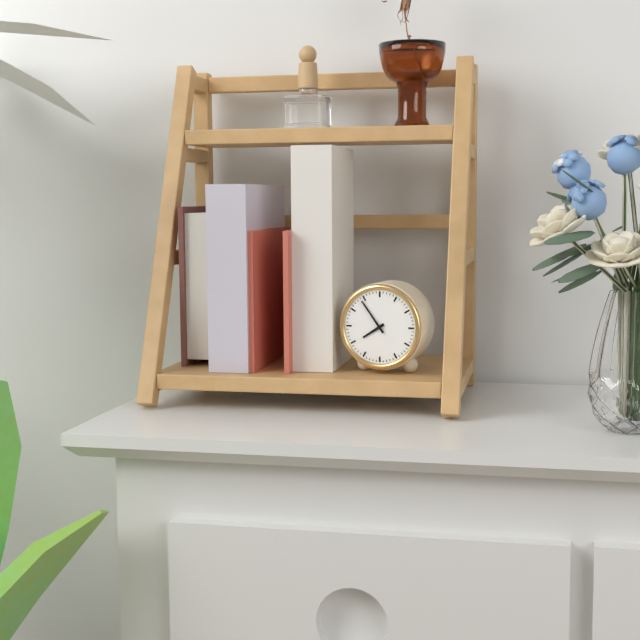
h=7 m=54
